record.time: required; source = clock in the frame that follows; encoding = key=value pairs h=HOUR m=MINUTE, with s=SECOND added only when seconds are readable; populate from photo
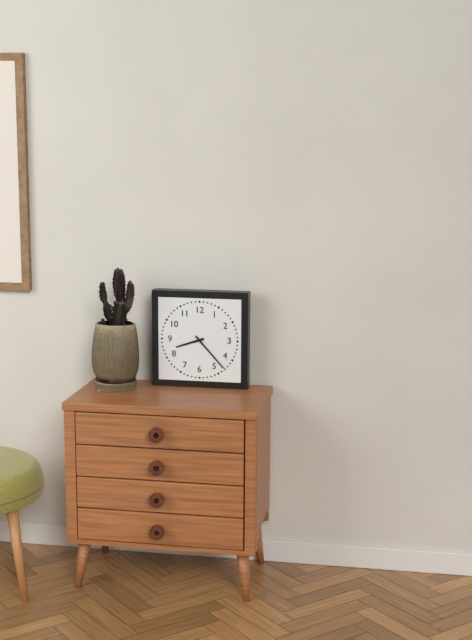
h=8 m=23
